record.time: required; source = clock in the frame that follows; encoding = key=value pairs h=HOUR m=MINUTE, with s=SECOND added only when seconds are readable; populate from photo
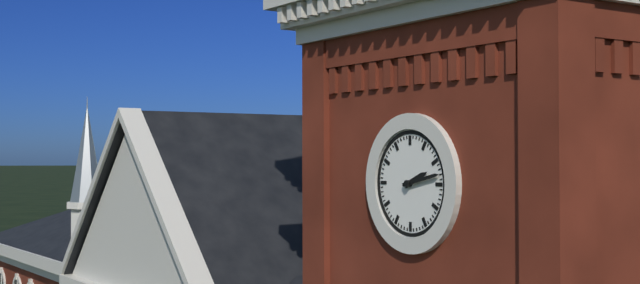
h=2 m=13
